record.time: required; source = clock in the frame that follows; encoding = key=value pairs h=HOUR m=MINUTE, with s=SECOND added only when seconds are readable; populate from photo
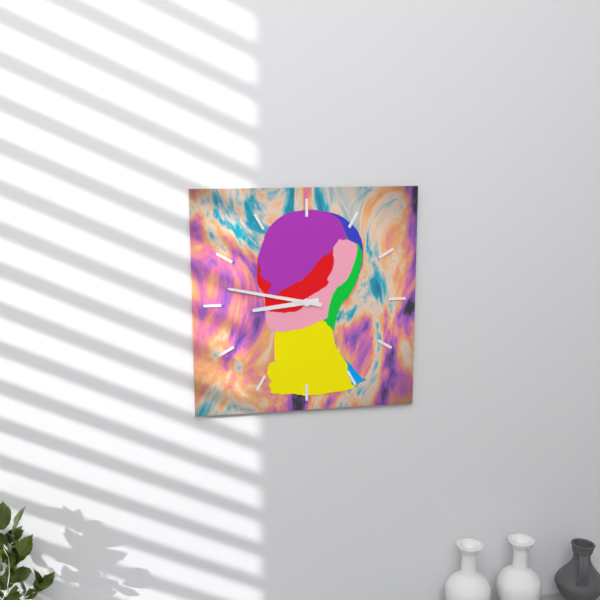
h=8 m=47
